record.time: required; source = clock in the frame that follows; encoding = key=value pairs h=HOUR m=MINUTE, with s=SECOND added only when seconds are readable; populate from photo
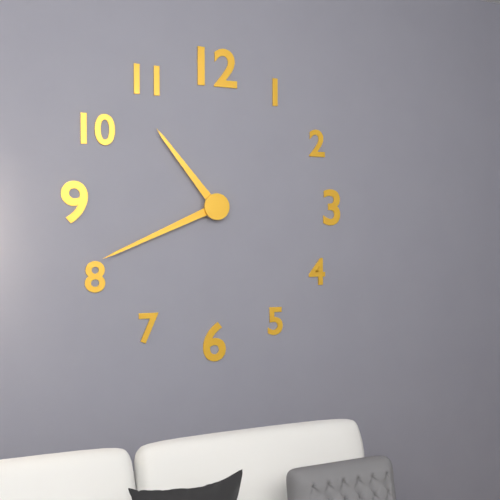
h=10 m=41
